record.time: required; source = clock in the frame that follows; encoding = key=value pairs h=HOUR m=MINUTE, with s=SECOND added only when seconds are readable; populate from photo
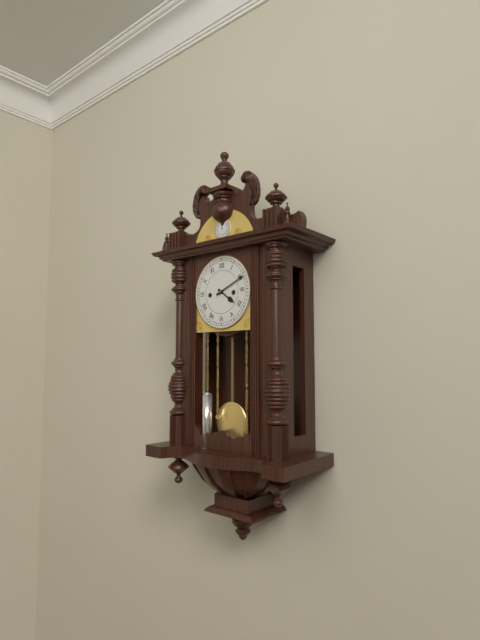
h=4 m=11
